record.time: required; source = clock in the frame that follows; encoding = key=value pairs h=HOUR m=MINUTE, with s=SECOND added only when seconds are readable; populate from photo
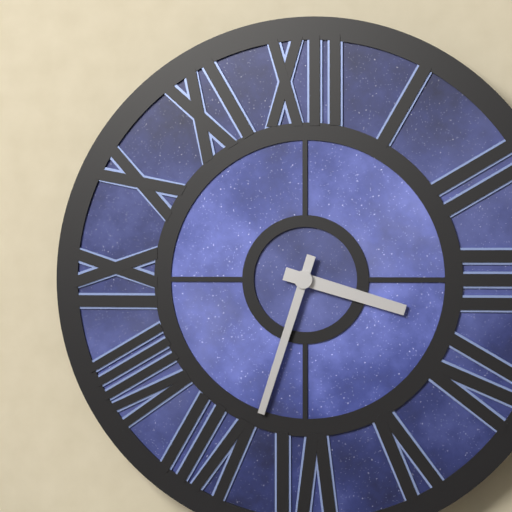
h=3 m=33
